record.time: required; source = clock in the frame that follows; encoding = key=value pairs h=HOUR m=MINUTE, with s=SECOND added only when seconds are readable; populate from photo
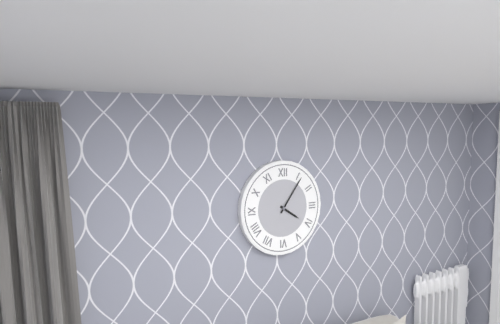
h=4 m=6
